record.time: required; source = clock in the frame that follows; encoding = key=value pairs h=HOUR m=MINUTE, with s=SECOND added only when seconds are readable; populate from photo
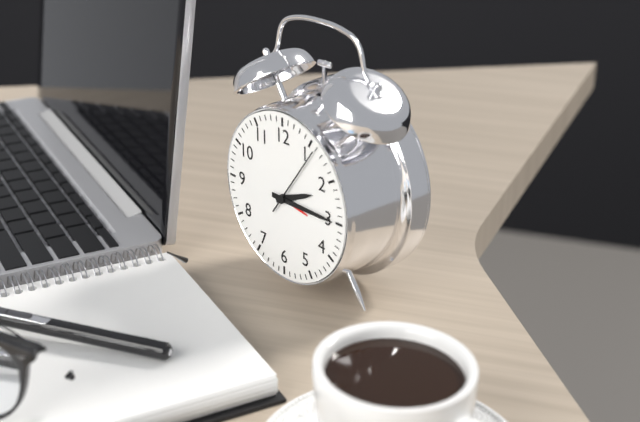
h=2 m=15
